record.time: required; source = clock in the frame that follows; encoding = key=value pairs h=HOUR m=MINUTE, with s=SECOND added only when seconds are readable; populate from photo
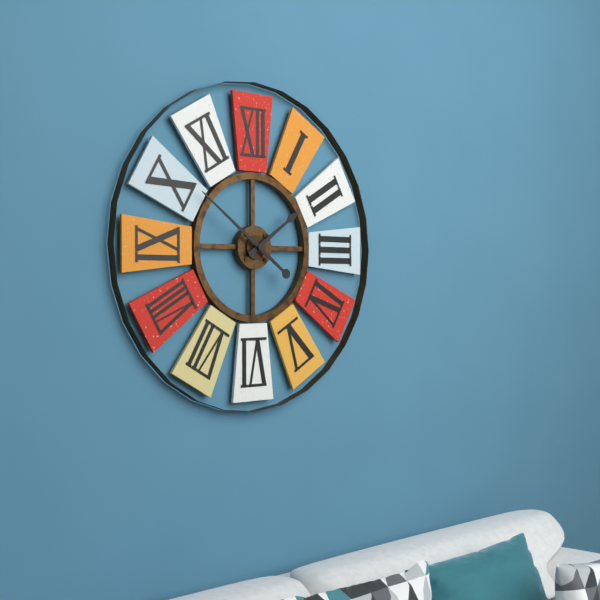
h=1 m=51
